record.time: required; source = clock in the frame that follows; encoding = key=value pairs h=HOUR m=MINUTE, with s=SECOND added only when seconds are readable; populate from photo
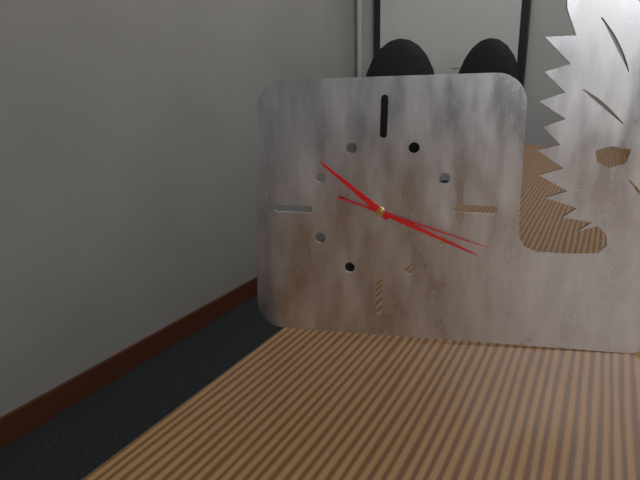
h=10 m=19 s=18
